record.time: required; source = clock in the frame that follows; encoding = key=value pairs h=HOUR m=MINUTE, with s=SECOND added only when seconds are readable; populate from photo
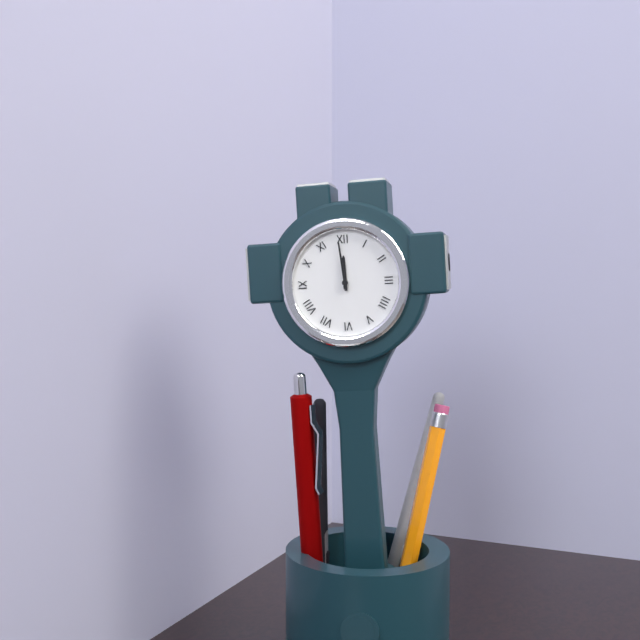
h=11 m=59
